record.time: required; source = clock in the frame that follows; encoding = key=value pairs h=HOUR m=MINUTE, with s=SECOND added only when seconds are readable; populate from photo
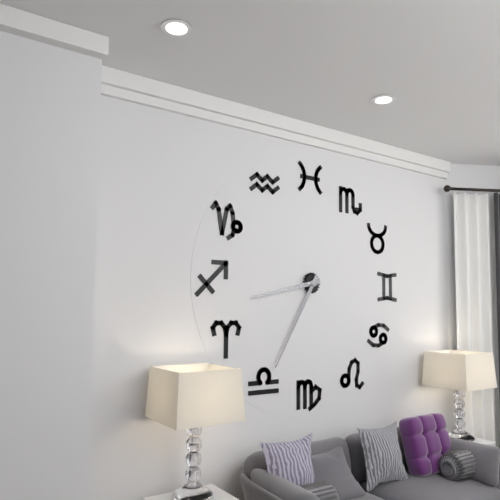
h=8 m=35
